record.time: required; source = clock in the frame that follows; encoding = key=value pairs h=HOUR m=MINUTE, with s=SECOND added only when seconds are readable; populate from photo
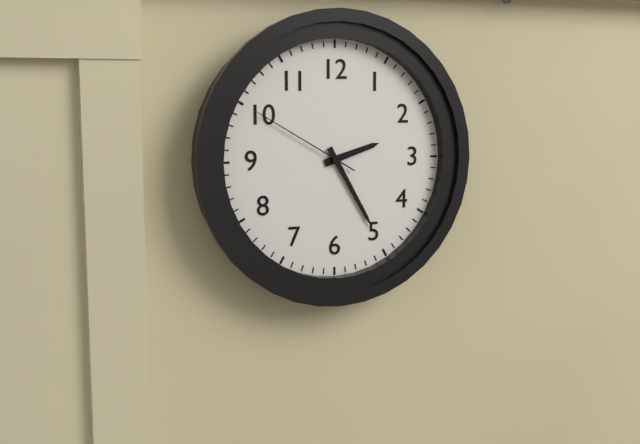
h=2 m=25 s=50
